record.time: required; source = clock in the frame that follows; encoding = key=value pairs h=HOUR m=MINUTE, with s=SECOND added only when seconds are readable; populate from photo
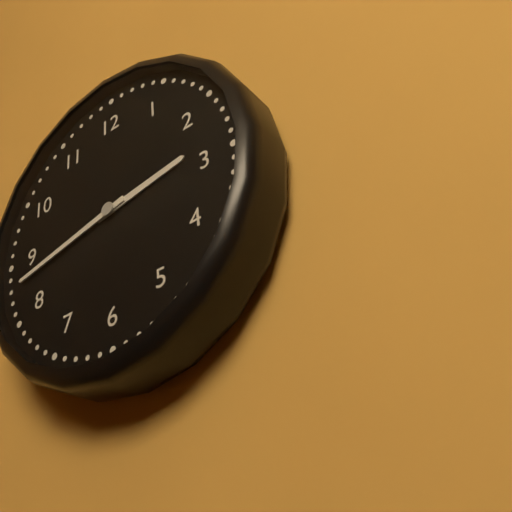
h=2 m=43
